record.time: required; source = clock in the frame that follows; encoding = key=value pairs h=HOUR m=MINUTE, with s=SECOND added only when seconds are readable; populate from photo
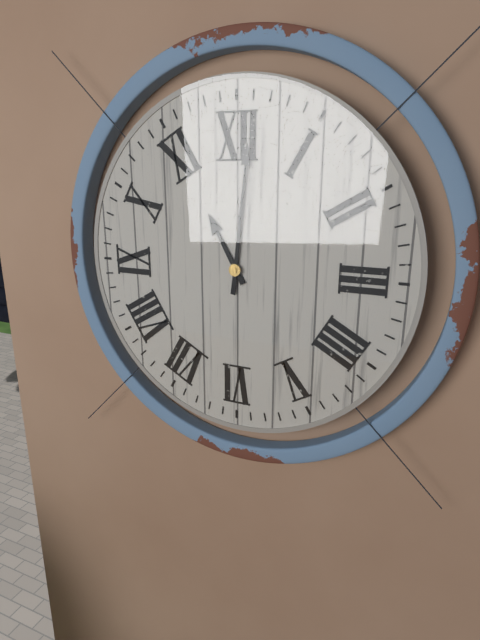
h=11 m=1
